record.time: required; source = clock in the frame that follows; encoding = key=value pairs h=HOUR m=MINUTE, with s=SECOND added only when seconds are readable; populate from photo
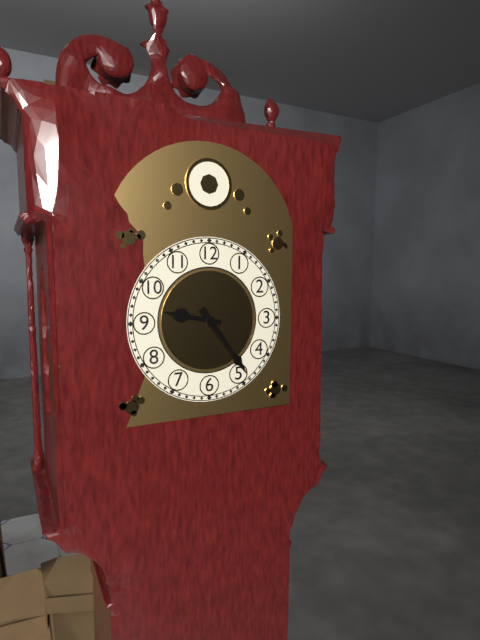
h=9 m=24
